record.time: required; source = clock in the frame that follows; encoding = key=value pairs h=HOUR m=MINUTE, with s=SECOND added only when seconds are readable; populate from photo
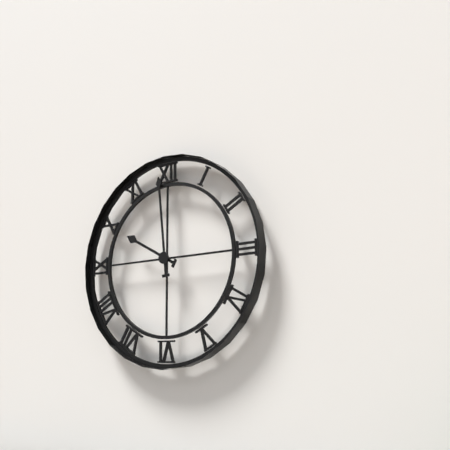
h=9 m=59
